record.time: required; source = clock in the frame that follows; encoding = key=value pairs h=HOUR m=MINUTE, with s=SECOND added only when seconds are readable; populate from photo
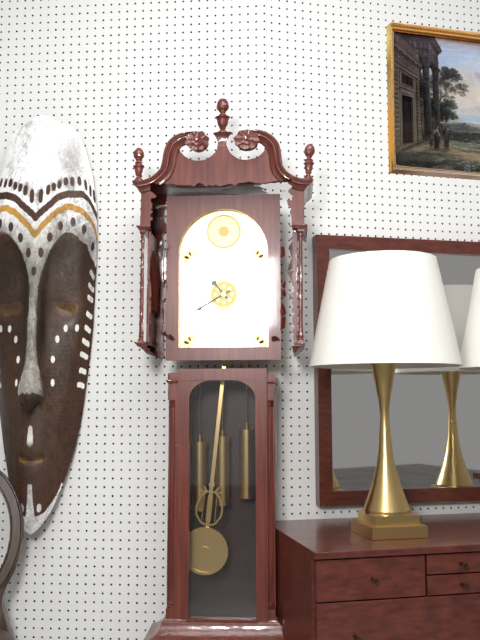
h=10 m=40
